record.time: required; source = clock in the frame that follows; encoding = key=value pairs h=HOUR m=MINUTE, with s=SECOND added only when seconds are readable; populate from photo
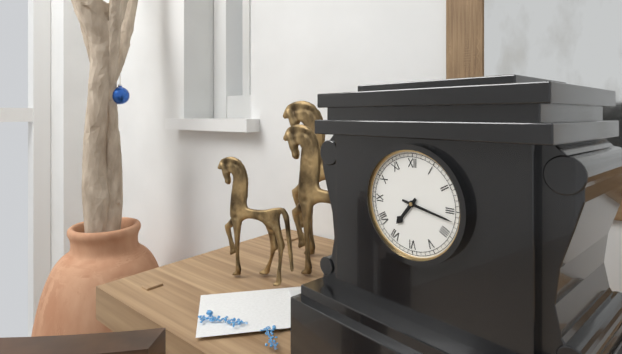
h=7 m=17
